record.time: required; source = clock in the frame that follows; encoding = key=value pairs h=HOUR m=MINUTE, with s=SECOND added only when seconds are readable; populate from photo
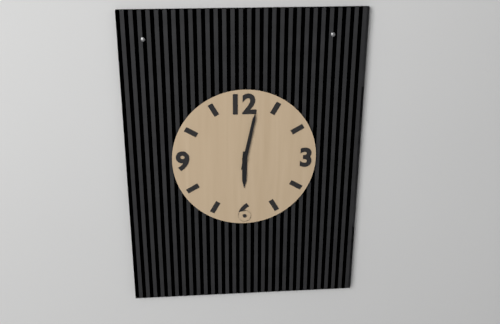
h=6 m=2
